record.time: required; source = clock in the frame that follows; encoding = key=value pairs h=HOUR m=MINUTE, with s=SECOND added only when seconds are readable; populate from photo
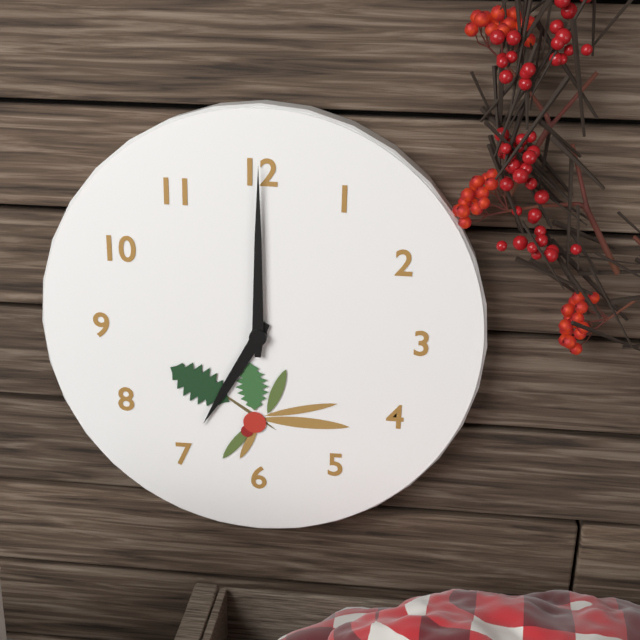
h=7 m=0
